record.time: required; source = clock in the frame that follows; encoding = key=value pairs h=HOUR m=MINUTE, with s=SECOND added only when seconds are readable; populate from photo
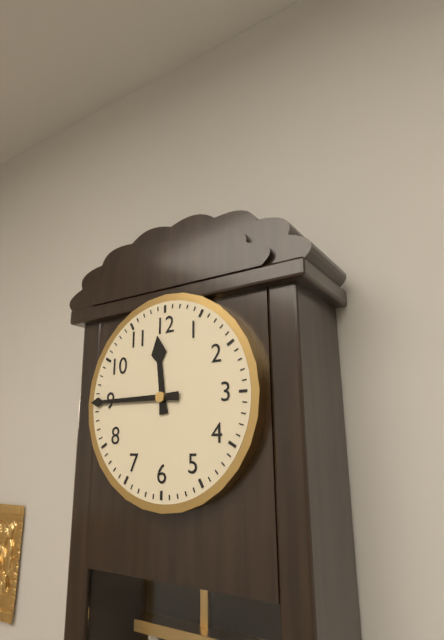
h=11 m=45
